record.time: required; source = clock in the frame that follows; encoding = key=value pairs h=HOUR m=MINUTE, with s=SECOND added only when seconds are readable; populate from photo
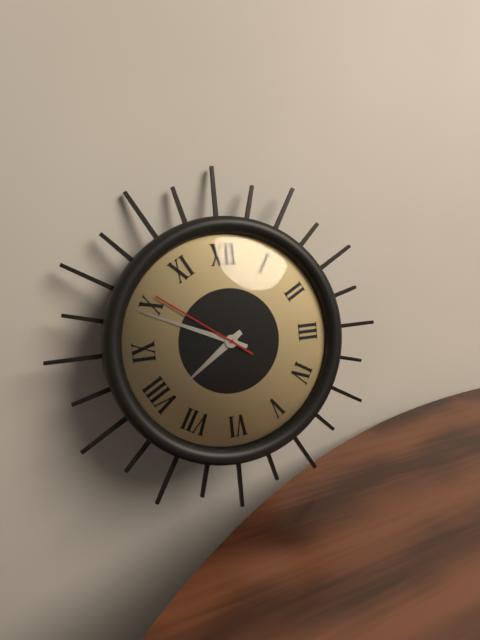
h=7 m=49 s=51
